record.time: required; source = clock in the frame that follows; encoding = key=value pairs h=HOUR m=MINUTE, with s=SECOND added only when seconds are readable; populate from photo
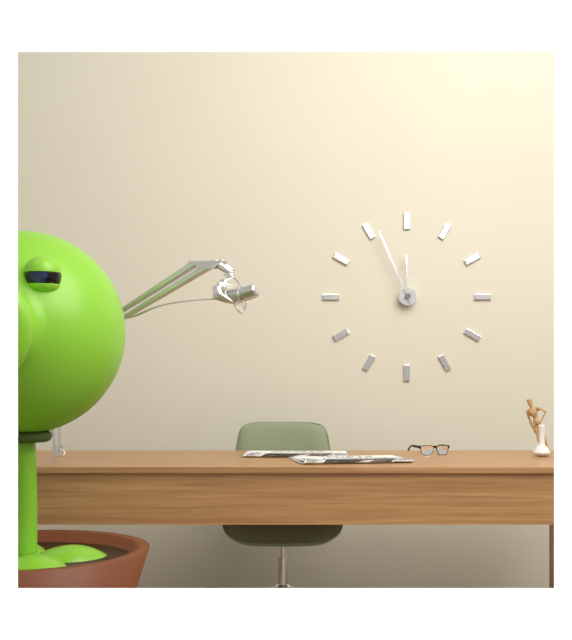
h=11 m=56
